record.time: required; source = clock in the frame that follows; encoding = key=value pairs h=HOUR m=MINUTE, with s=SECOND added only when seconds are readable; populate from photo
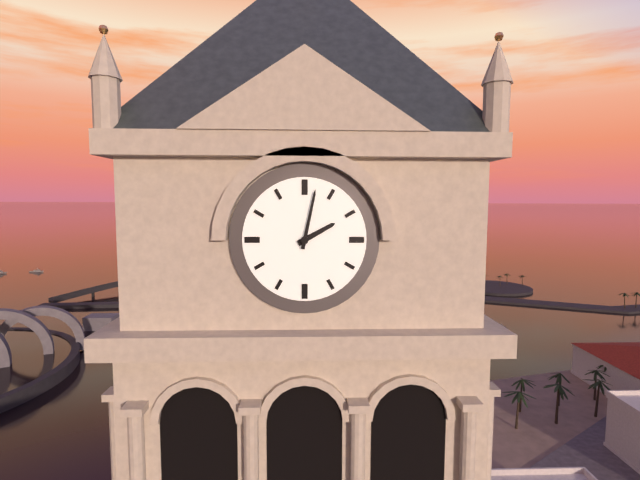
h=2 m=2
